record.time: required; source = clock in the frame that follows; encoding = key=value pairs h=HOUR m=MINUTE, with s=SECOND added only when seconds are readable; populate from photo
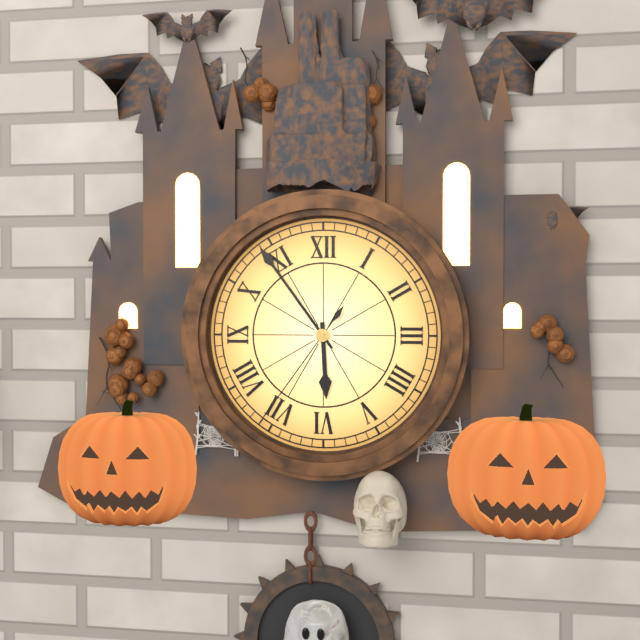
h=5 m=54 s=36
